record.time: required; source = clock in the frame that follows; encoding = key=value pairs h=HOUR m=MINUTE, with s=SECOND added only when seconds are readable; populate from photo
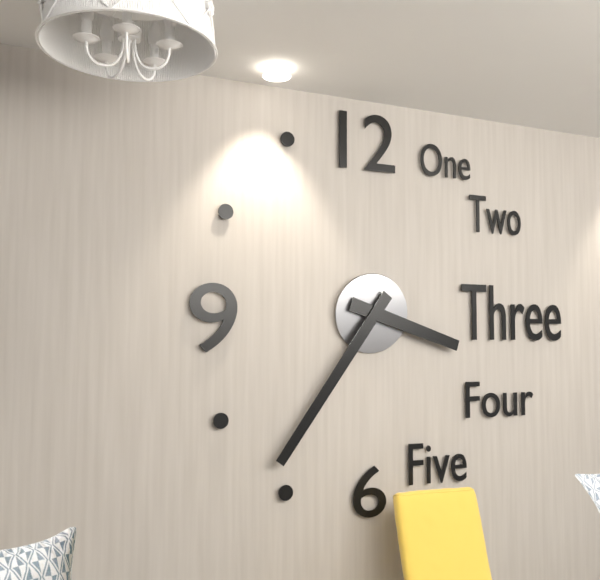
h=3 m=36
